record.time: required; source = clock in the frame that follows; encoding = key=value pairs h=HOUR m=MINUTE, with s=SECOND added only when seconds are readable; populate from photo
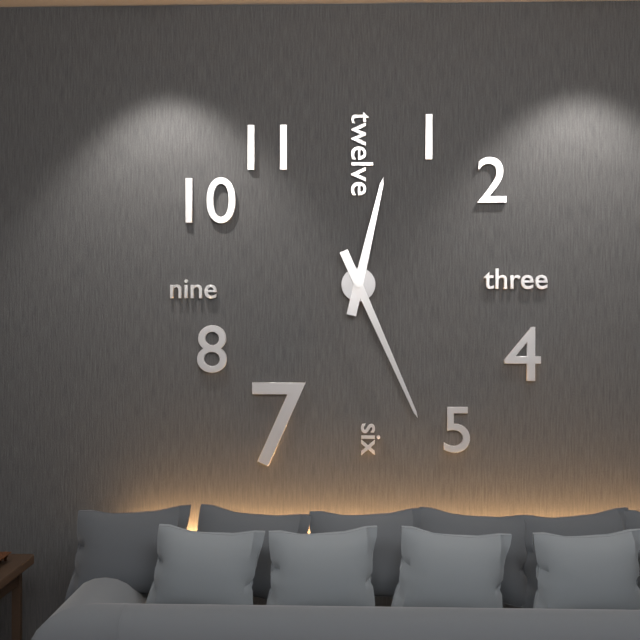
h=12 m=26
